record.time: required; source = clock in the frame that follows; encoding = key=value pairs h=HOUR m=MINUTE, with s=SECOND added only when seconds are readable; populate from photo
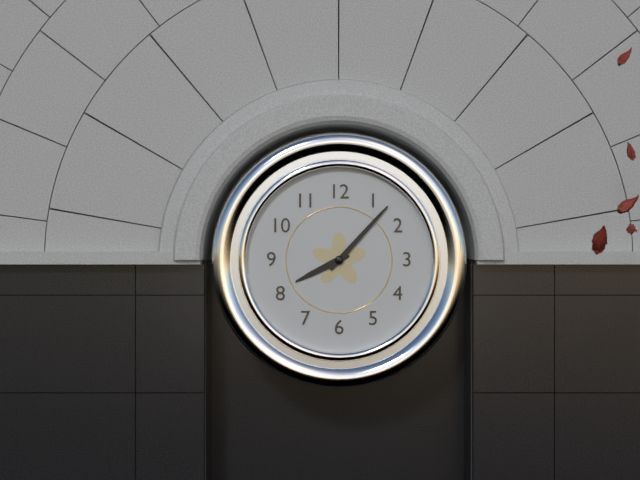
h=8 m=7
